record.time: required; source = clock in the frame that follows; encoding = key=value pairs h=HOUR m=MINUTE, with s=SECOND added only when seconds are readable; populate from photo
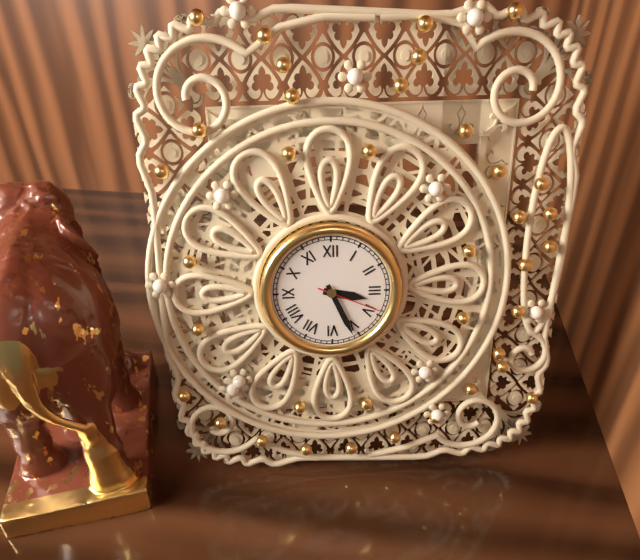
h=3 m=26 s=19
